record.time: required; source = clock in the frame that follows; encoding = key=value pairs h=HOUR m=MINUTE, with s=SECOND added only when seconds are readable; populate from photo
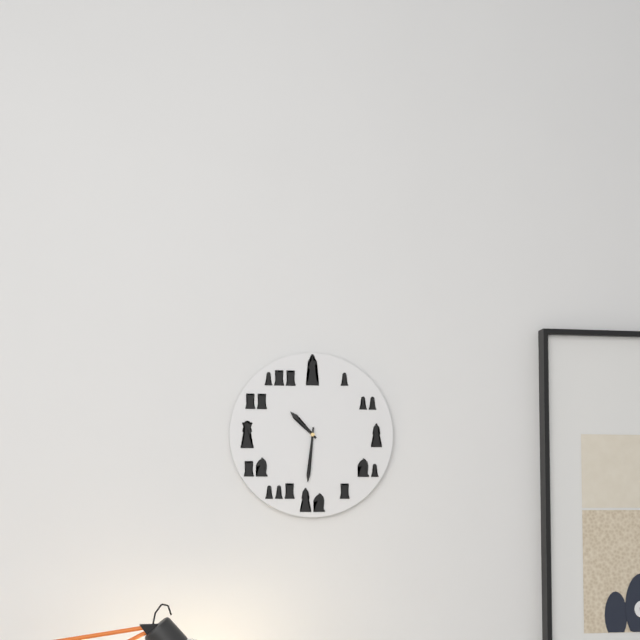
h=10 m=31
